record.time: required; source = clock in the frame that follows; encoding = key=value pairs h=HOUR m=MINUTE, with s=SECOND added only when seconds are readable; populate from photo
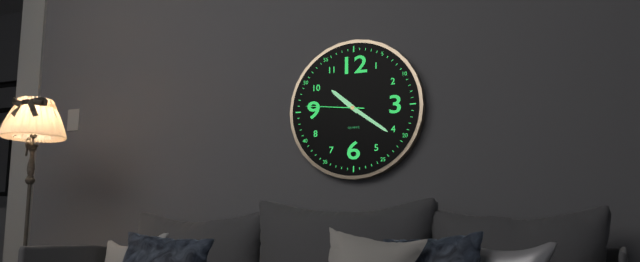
h=10 m=21 s=46
